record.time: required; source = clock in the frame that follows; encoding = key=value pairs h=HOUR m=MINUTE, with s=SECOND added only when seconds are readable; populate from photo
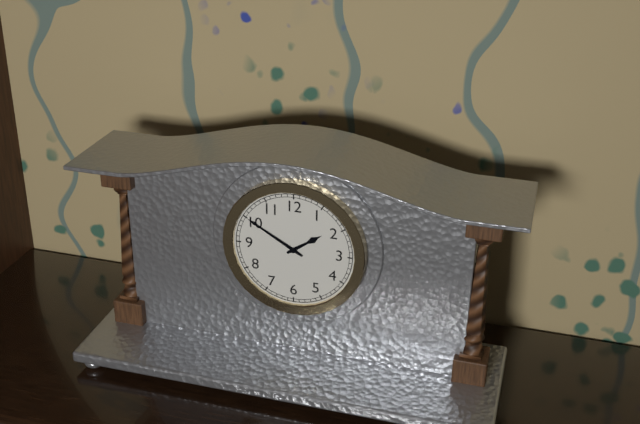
h=1 m=50
